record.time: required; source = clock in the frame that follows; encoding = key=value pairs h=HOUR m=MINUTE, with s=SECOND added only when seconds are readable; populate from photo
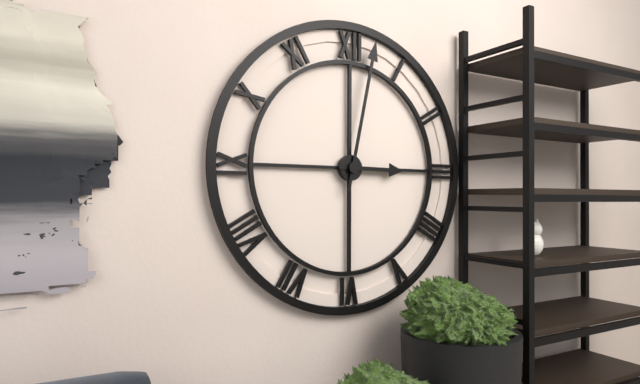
h=3 m=2
